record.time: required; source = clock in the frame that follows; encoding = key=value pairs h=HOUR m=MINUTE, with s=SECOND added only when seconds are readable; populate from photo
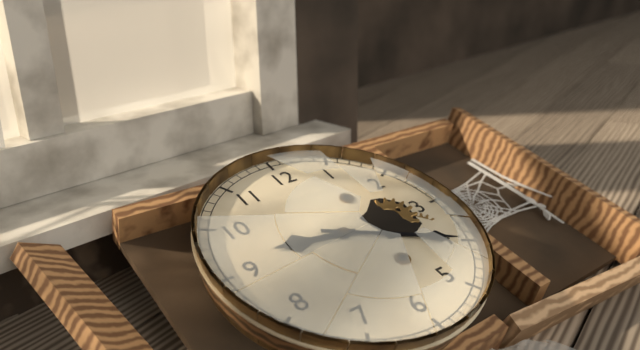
h=9 m=20
